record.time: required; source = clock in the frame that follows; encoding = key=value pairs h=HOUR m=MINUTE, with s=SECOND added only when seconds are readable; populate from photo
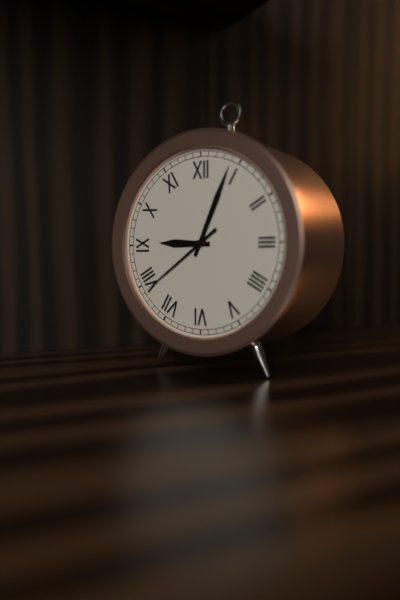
h=9 m=4 s=39
